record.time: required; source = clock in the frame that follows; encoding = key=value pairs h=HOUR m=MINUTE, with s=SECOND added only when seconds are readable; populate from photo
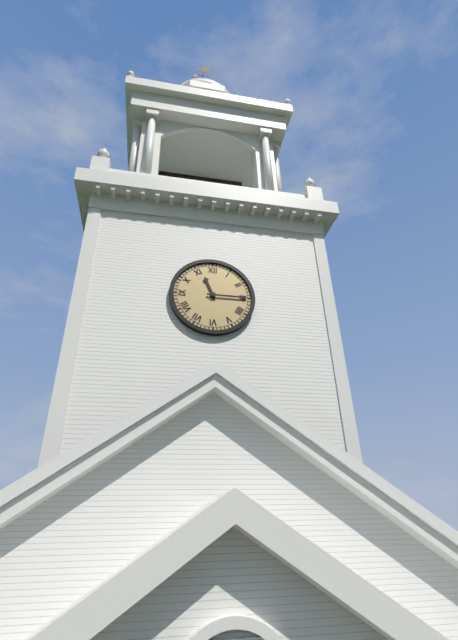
h=11 m=15
